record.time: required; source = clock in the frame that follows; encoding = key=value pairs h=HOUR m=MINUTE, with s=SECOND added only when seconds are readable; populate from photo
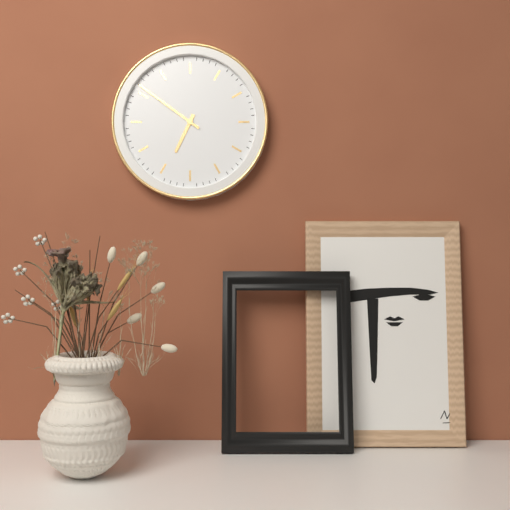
h=6 m=51
